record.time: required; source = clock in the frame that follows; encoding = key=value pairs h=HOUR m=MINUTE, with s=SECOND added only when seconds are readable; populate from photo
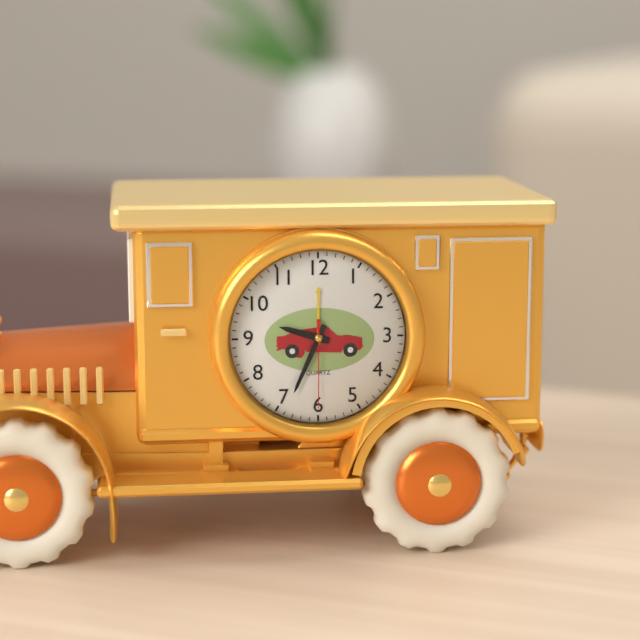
h=9 m=34 s=30
